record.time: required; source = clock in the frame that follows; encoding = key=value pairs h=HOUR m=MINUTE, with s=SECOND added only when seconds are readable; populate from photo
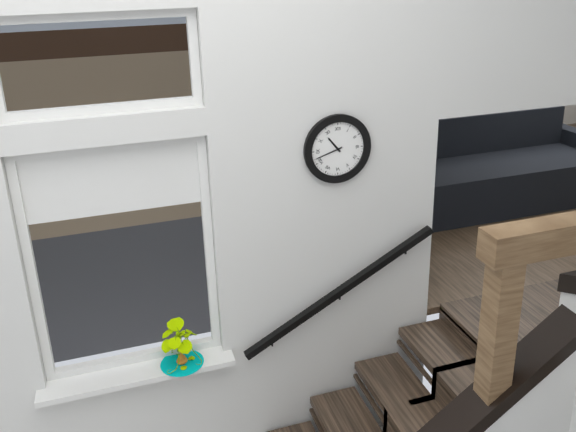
h=10 m=42
